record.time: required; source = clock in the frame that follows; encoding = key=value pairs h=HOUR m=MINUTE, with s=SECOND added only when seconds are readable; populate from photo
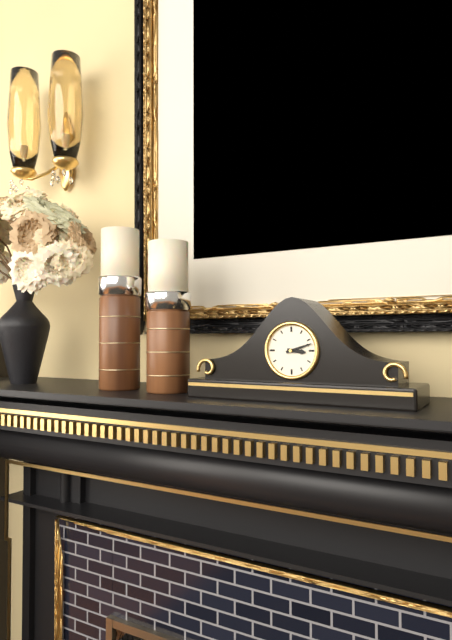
h=3 m=12
